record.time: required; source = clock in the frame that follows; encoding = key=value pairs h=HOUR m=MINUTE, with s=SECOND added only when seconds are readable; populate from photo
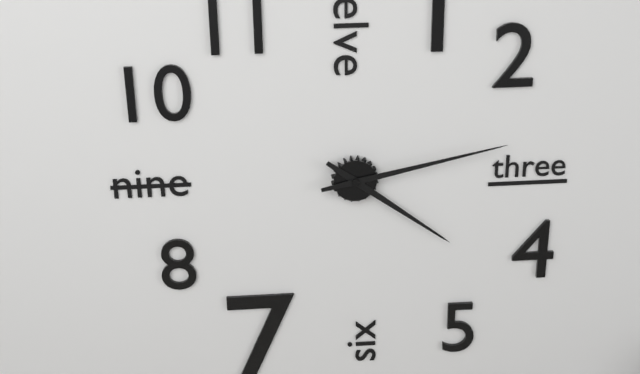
h=4 m=13
